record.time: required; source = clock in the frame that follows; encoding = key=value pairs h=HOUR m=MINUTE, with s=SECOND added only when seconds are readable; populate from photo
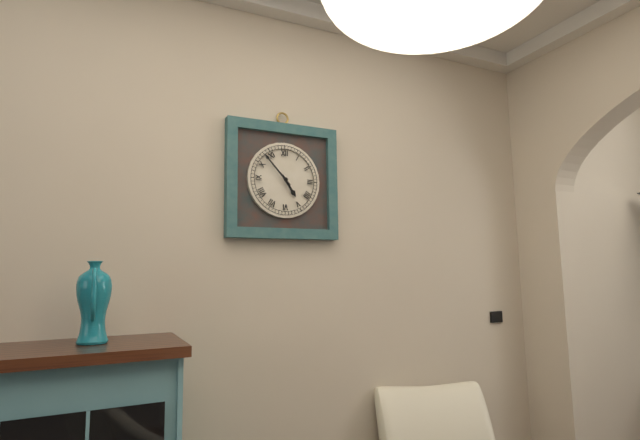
h=4 m=53
